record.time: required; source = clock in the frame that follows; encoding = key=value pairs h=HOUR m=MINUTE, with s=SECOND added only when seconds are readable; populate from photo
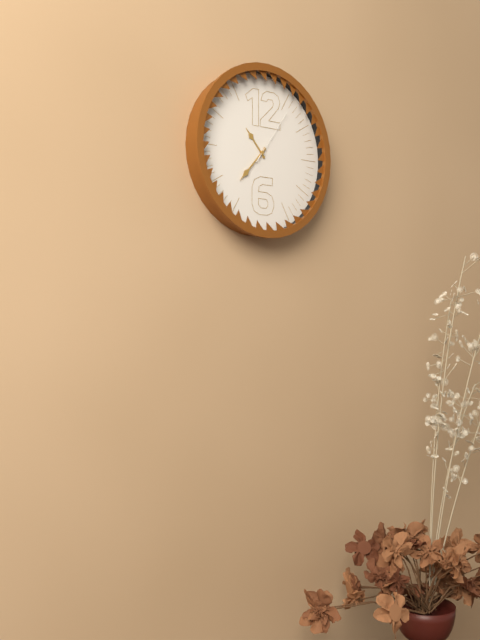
h=10 m=37 s=6
